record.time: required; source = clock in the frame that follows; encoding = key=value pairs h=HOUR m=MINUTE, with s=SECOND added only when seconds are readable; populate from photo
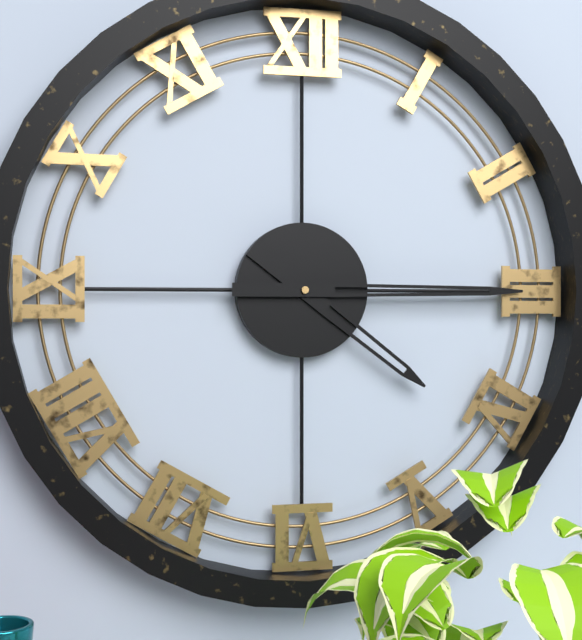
h=4 m=15
